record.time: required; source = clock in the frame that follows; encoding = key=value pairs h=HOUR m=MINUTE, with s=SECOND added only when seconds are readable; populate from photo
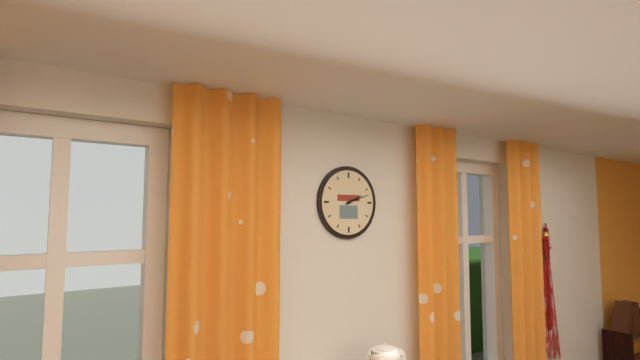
h=2 m=12
